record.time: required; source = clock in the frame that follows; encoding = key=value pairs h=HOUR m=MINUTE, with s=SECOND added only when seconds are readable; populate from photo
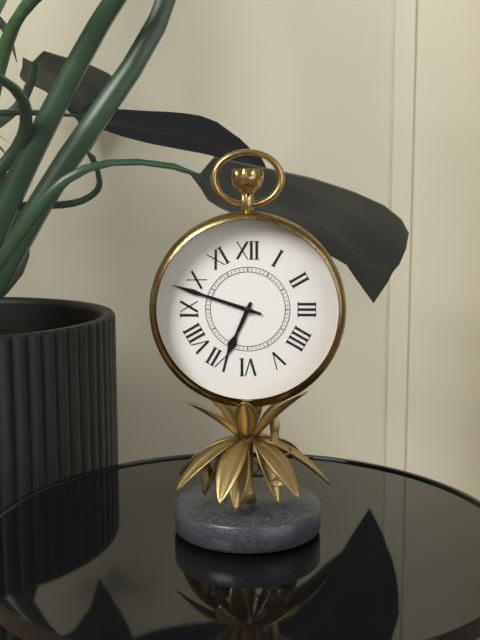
h=6 m=48
